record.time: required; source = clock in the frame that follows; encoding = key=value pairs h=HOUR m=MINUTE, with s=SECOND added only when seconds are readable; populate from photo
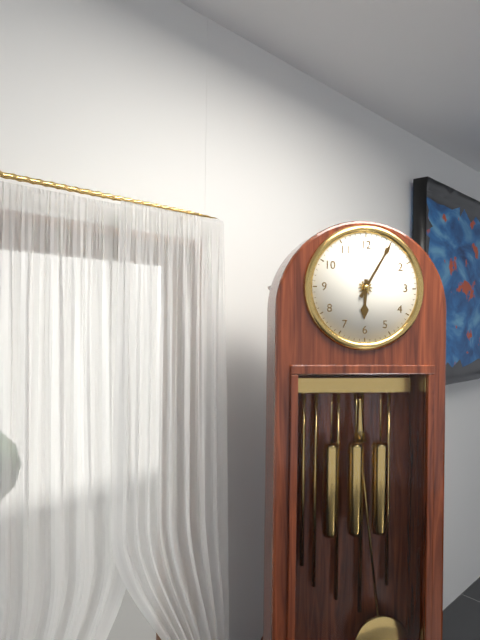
h=6 m=5
